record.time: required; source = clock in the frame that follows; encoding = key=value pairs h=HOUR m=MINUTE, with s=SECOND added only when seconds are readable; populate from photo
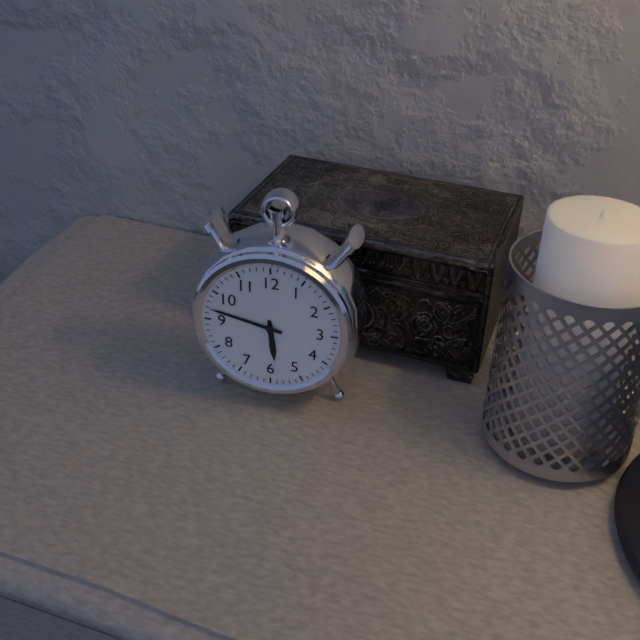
h=5 m=47
